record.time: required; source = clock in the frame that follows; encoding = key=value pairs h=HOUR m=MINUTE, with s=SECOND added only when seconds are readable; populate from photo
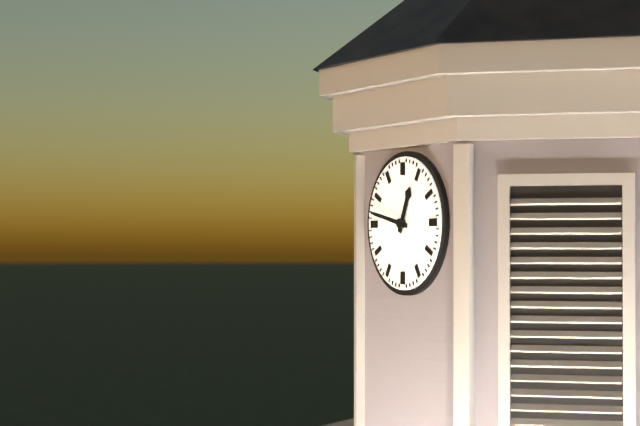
h=12 m=47
